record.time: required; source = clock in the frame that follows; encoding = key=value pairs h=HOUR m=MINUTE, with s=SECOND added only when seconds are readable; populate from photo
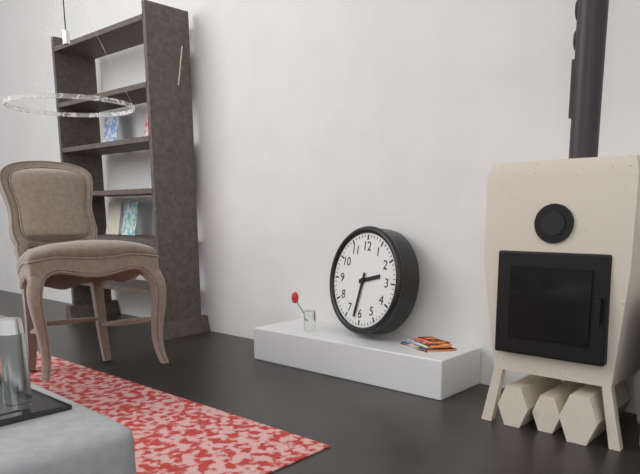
h=2 m=32
